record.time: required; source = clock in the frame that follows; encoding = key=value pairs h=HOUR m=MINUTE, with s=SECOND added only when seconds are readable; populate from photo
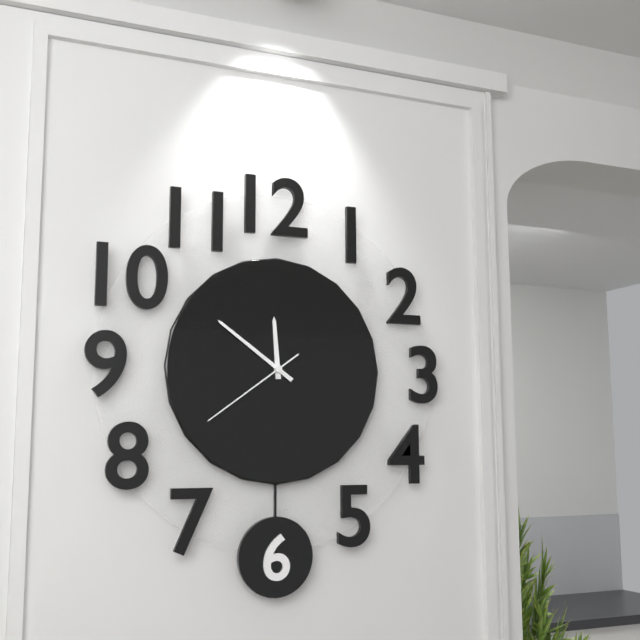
h=11 m=51 s=39
